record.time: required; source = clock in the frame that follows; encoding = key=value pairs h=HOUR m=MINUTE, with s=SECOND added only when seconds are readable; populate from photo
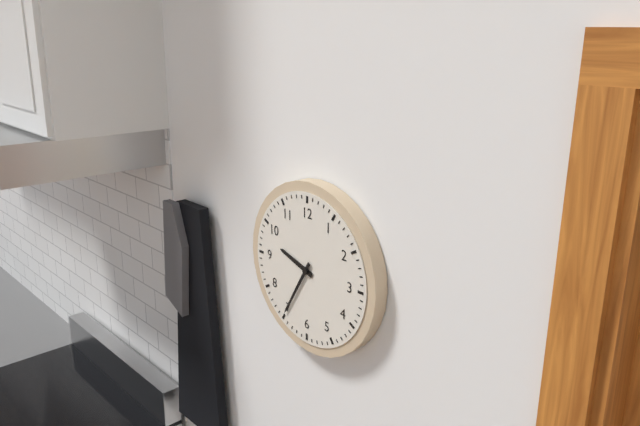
h=9 m=35
